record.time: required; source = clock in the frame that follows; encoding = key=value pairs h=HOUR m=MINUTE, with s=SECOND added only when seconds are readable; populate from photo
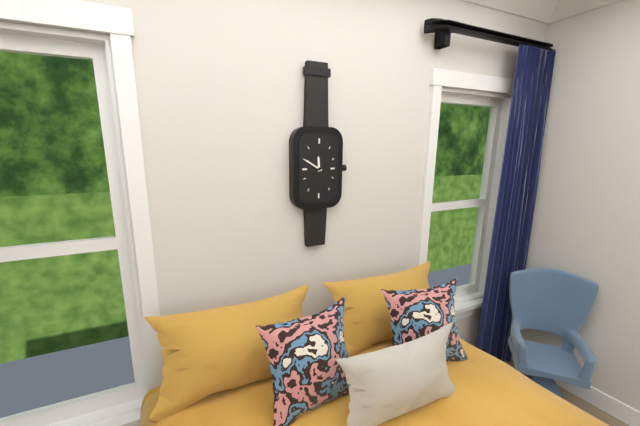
h=11 m=50
